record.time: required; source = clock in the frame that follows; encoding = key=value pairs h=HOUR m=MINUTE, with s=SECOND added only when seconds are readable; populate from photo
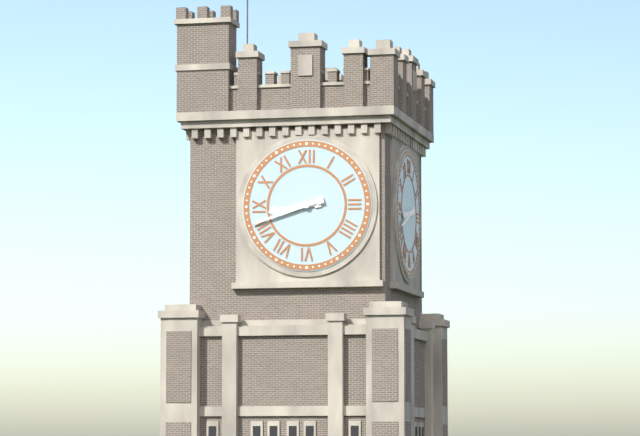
h=8 m=42
